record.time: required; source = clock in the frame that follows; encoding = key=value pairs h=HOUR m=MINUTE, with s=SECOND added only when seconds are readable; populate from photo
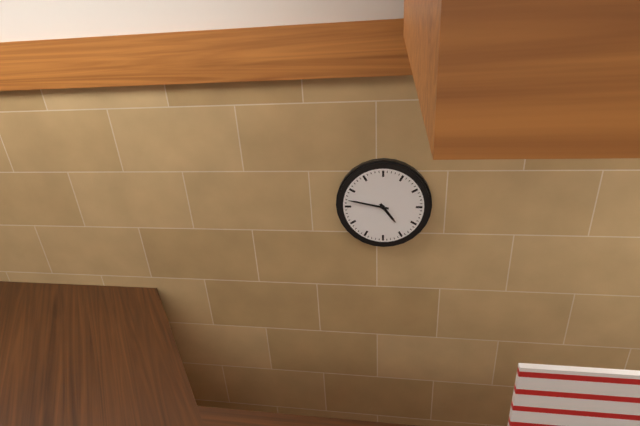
h=4 m=47
